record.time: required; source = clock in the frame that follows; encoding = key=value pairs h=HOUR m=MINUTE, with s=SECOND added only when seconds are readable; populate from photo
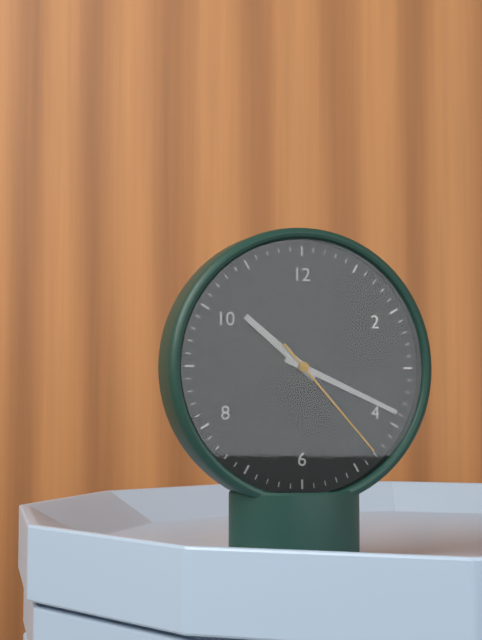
h=10 m=19 s=23
